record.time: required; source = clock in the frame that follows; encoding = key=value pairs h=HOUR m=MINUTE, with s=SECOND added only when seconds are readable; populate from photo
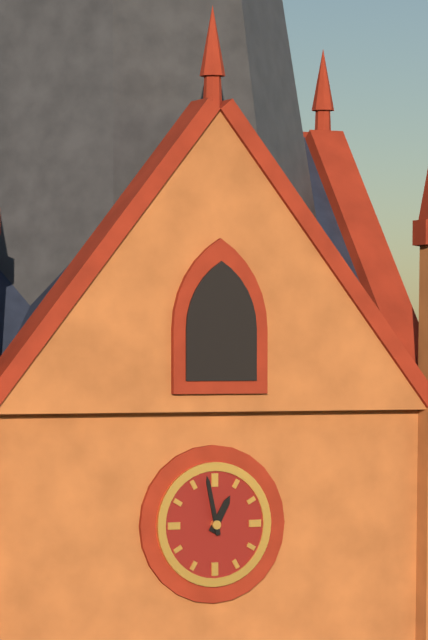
h=12 m=58
